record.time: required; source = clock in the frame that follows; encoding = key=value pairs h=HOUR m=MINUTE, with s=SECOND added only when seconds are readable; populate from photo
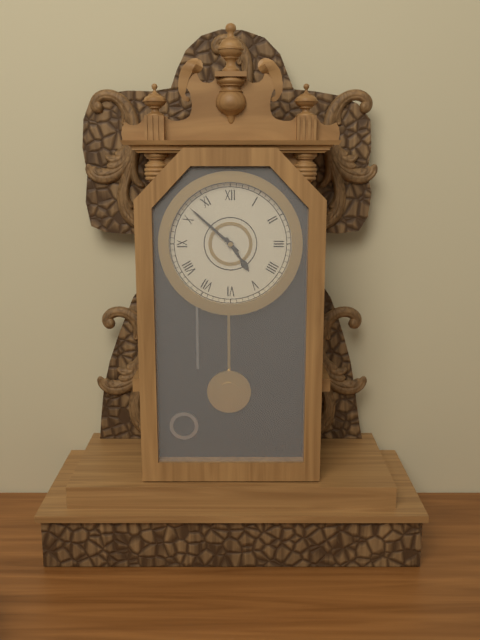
h=4 m=52
